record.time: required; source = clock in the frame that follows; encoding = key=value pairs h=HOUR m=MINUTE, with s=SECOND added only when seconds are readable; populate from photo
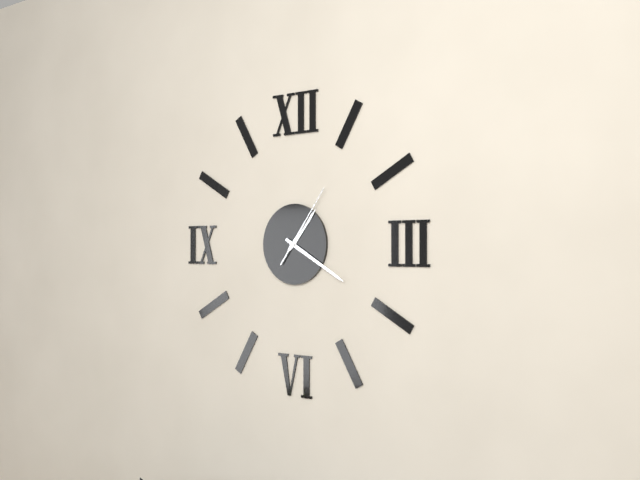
h=1 m=20 s=6
